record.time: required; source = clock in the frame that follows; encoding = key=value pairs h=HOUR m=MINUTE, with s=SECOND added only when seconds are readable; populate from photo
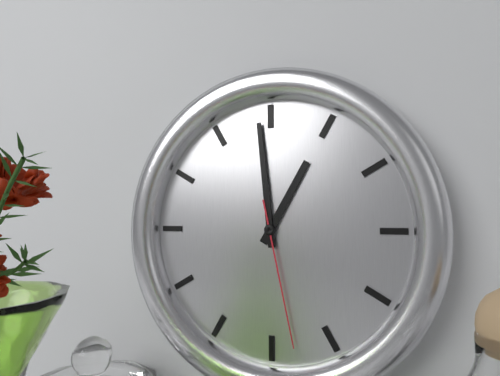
h=12 m=59 s=28
